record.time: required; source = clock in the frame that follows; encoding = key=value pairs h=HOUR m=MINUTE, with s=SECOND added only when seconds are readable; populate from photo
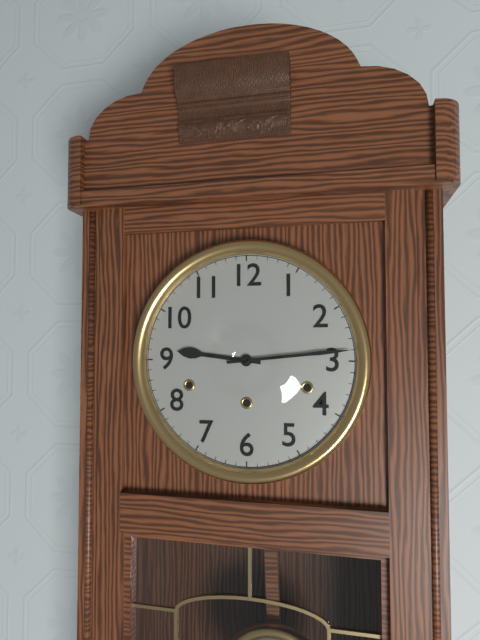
h=9 m=14
